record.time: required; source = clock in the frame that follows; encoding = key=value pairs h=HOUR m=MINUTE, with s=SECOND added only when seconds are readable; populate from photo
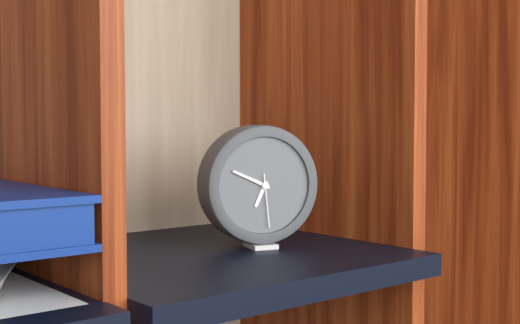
h=6 m=49 s=29
